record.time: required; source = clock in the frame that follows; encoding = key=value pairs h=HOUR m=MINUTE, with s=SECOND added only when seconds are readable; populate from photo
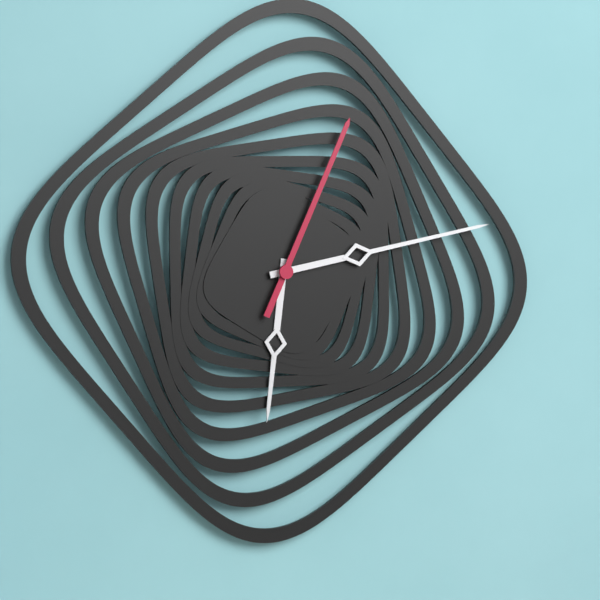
h=6 m=13 s=4
